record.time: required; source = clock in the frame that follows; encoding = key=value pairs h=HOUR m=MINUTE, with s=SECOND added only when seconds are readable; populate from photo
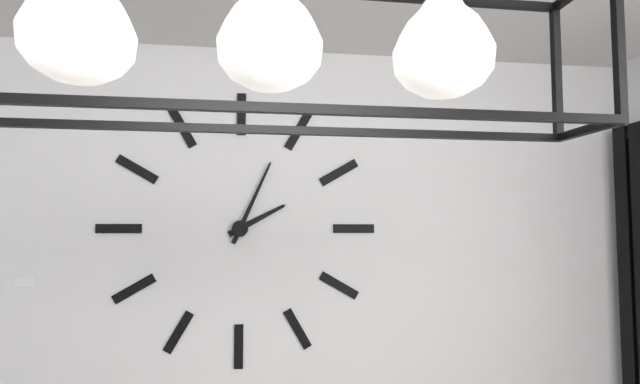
h=2 m=4
